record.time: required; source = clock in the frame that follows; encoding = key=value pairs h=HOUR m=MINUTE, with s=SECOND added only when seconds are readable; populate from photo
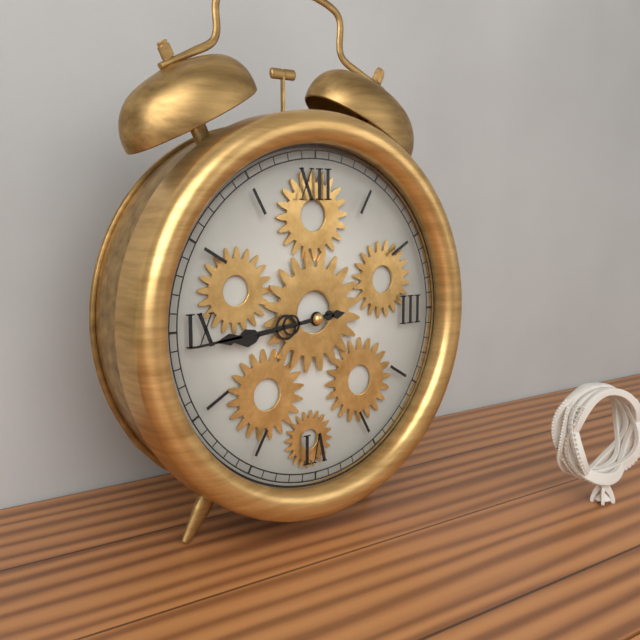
h=8 m=44
